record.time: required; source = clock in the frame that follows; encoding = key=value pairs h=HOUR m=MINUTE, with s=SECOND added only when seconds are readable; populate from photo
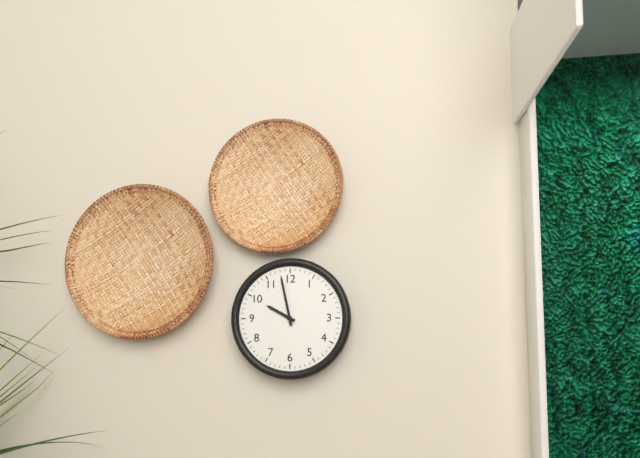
h=9 m=58
